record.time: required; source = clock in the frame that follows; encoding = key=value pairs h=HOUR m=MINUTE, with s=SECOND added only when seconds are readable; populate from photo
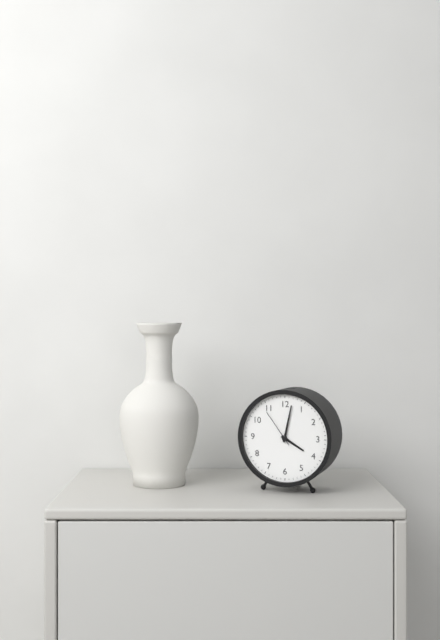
h=4 m=2
